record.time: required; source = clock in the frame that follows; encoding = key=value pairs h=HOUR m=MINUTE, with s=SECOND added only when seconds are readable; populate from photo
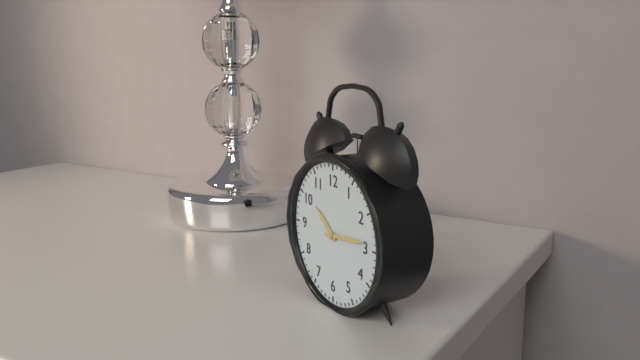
h=10 m=14
